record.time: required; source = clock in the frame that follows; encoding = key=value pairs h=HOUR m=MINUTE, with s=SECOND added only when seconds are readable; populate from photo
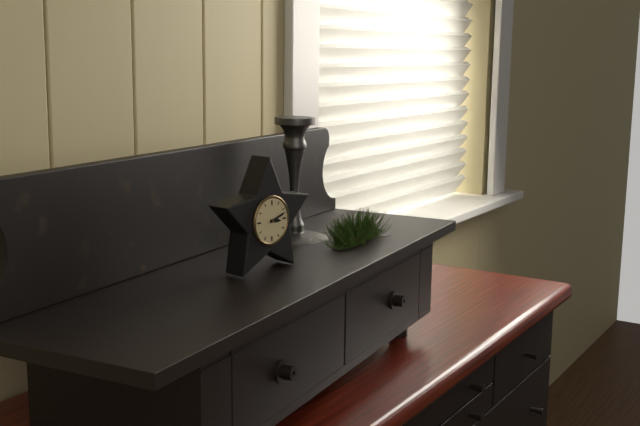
h=3 m=12
